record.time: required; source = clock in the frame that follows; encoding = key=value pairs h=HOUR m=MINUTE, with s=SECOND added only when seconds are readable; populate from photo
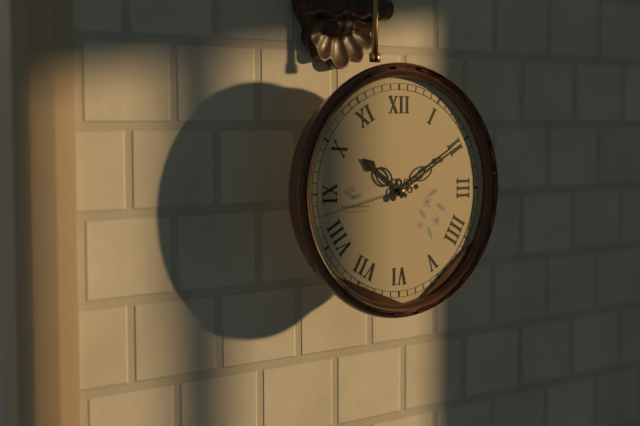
h=10 m=10 s=43
